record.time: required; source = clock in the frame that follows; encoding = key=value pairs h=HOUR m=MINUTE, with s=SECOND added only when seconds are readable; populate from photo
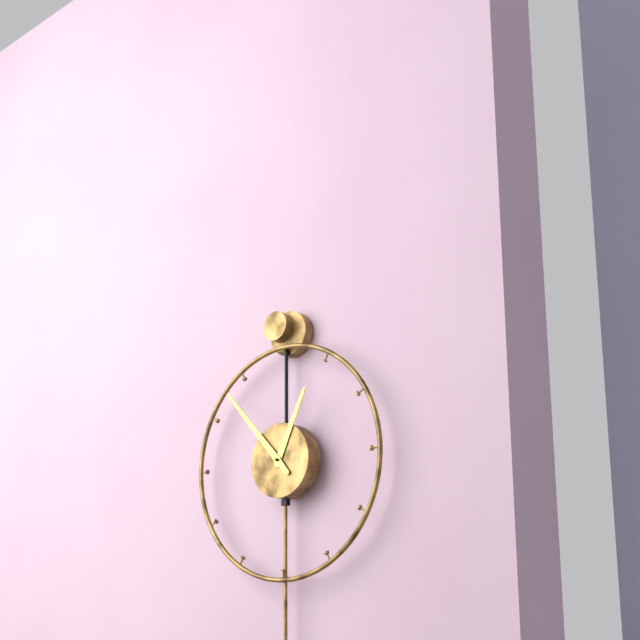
h=12 m=53
